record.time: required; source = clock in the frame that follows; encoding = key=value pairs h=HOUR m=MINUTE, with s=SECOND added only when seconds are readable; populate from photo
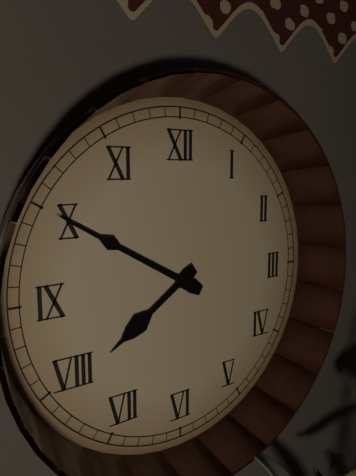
h=7 m=50
